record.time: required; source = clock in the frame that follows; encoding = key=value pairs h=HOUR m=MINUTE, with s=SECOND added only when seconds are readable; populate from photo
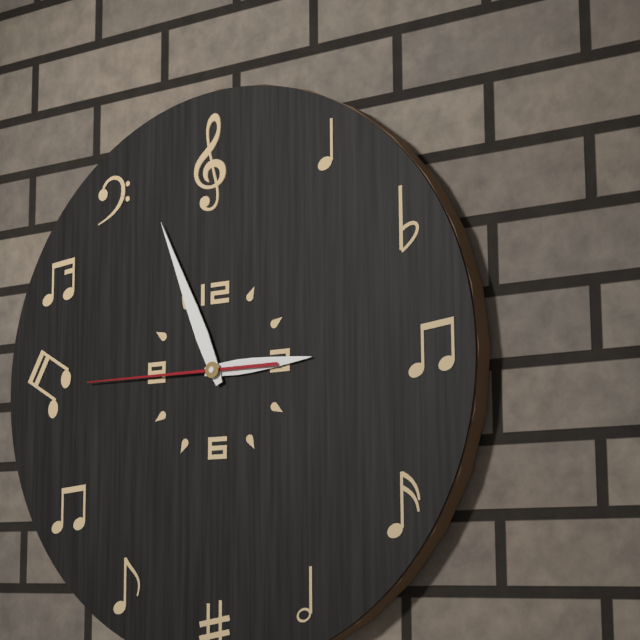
h=2 m=56 s=45
